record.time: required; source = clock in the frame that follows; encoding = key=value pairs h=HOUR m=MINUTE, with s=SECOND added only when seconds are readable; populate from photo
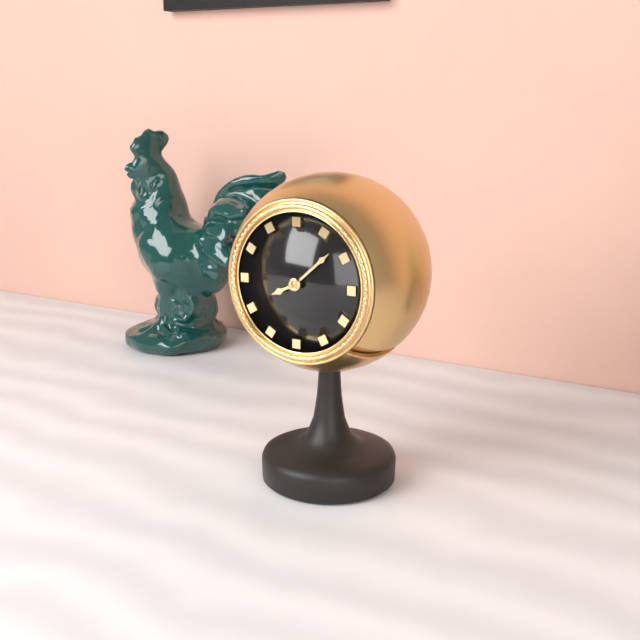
h=8 m=8
